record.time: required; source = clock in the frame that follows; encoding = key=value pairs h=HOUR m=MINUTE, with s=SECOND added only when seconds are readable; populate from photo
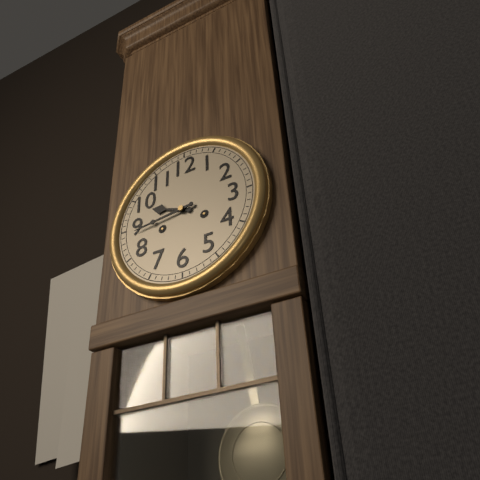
h=9 m=44
